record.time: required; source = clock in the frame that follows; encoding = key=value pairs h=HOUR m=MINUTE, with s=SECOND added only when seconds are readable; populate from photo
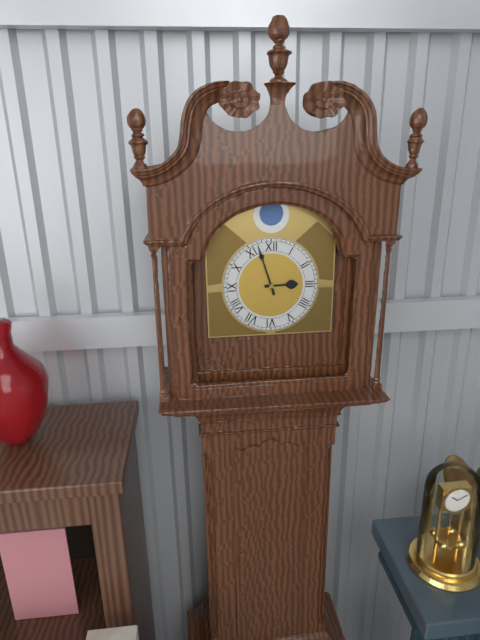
h=2 m=57
